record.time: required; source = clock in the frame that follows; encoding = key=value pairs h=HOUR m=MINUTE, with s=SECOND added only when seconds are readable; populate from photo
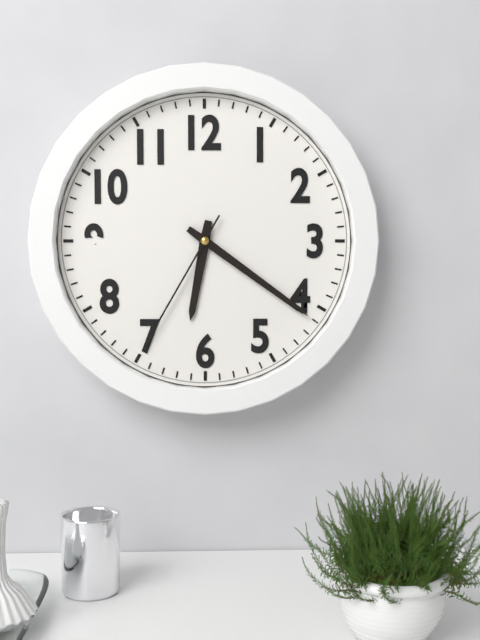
h=6 m=21 s=35
